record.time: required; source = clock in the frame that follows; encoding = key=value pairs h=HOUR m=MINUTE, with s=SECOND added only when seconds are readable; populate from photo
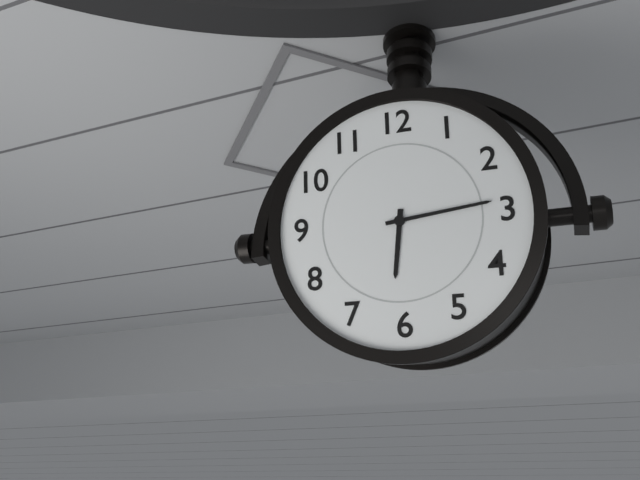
h=6 m=14
